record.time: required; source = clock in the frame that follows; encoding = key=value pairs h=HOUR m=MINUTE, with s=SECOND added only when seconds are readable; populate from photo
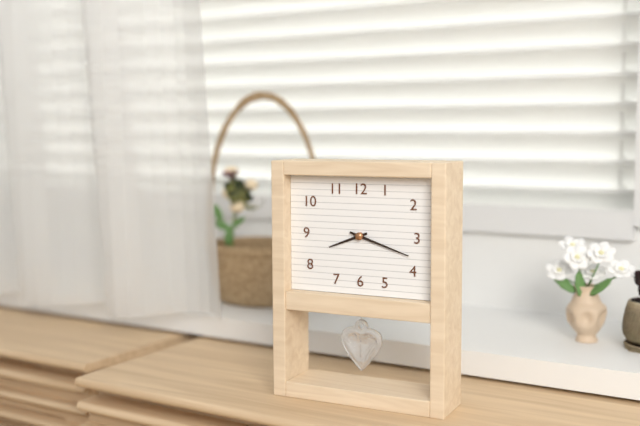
h=8 m=18
